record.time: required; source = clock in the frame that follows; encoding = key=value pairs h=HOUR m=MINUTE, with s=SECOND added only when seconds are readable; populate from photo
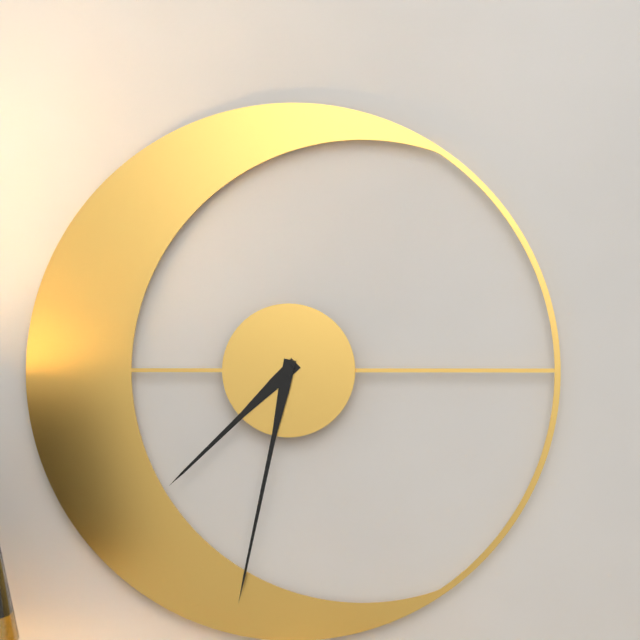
h=7 m=32
